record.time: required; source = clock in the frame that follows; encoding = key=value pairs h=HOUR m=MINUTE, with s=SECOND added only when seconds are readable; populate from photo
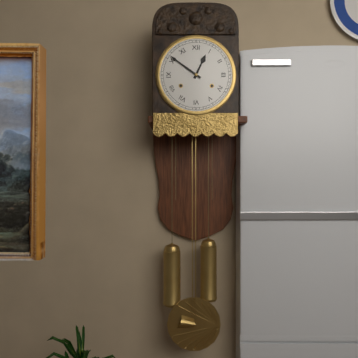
h=12 m=51
